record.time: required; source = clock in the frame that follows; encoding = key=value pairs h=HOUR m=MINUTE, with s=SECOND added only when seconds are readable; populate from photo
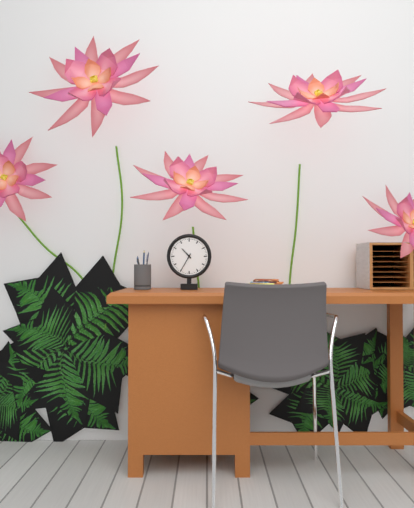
h=10 m=35
